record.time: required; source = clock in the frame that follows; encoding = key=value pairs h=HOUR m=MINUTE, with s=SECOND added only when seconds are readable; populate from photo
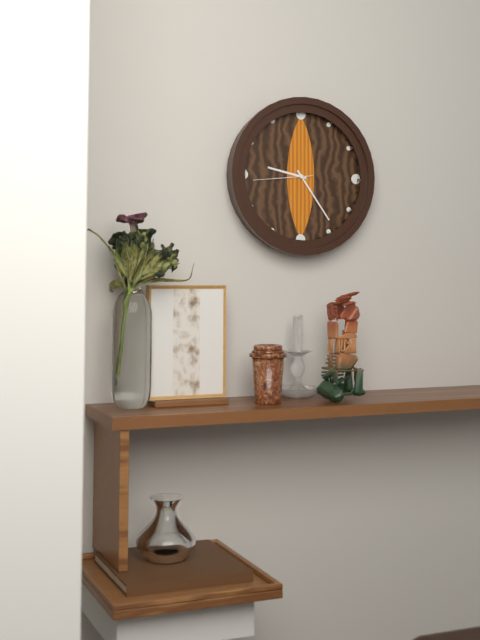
h=9 m=24 s=44
